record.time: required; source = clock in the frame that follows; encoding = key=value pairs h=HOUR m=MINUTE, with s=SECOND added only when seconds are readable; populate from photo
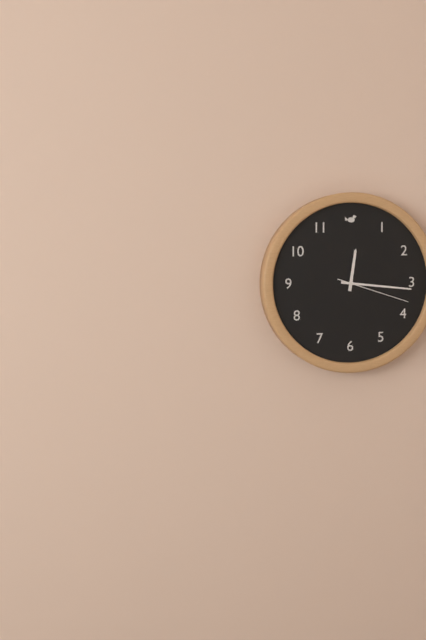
h=12 m=16 s=18
